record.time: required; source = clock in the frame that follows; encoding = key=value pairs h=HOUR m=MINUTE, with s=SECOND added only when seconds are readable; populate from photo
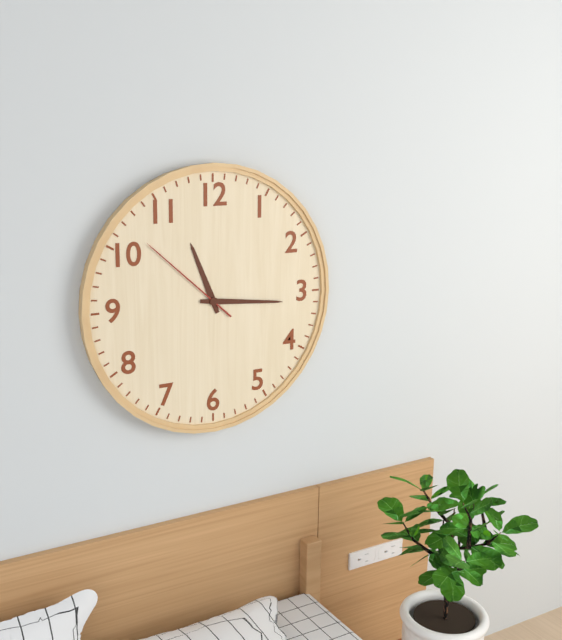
h=11 m=16 s=52
